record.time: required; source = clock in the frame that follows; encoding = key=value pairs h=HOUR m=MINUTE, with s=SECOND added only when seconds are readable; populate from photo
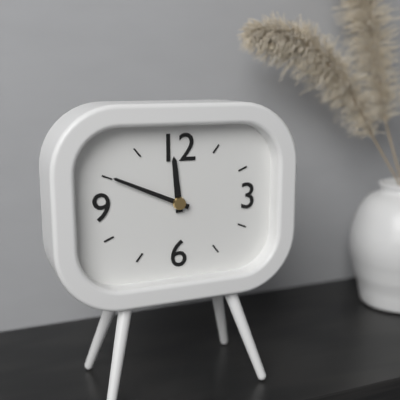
h=11 m=49
